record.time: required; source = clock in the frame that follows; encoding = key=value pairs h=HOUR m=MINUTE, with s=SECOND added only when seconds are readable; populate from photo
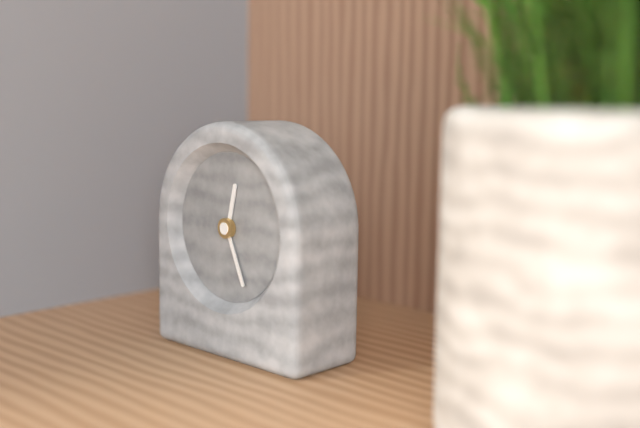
h=12 m=26
